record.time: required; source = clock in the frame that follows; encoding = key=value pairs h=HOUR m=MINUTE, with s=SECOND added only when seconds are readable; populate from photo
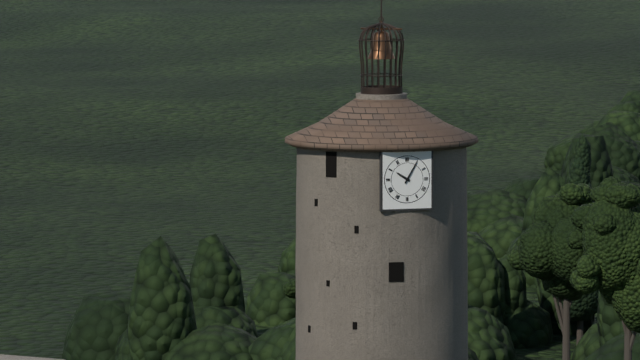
h=10 m=5
